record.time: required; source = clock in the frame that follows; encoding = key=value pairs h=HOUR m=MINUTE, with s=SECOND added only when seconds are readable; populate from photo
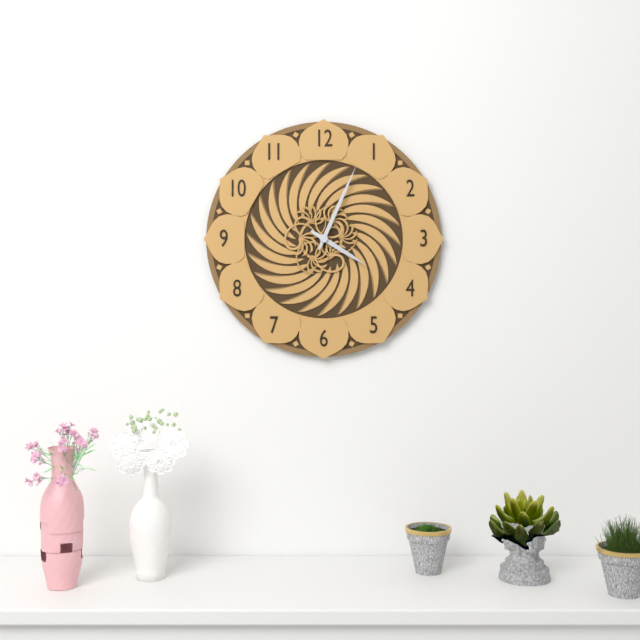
h=4 m=4
